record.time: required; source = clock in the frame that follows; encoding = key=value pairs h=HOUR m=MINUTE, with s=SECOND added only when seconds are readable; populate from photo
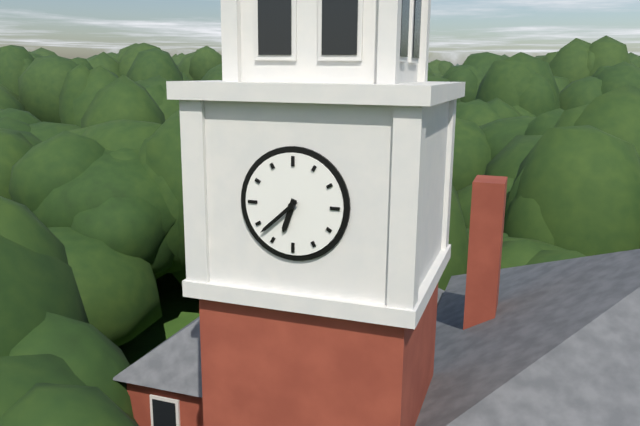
h=6 m=38
